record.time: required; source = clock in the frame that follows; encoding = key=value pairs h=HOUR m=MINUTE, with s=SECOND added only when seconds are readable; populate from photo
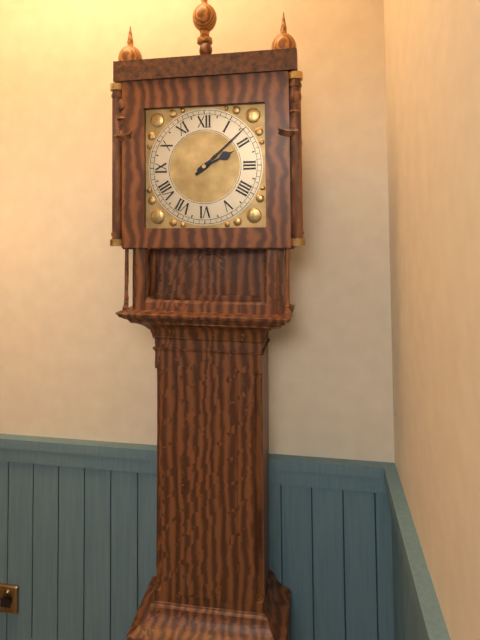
h=2 m=8
